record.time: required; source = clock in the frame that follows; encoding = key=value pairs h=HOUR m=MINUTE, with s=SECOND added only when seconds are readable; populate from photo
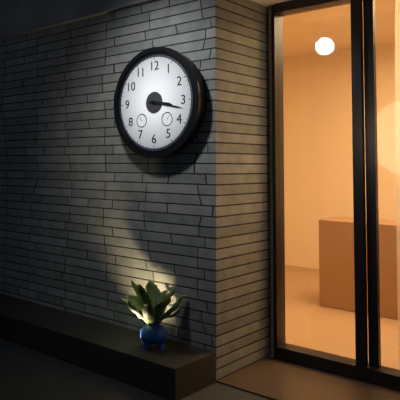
h=3 m=17
